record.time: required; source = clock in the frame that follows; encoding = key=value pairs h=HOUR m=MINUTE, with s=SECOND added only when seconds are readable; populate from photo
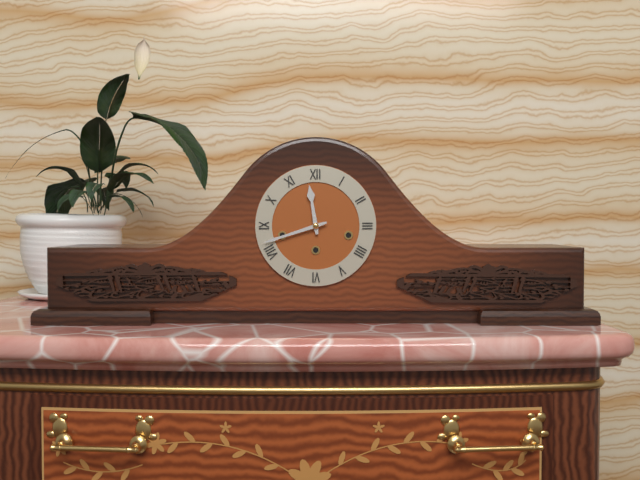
h=11 m=42
